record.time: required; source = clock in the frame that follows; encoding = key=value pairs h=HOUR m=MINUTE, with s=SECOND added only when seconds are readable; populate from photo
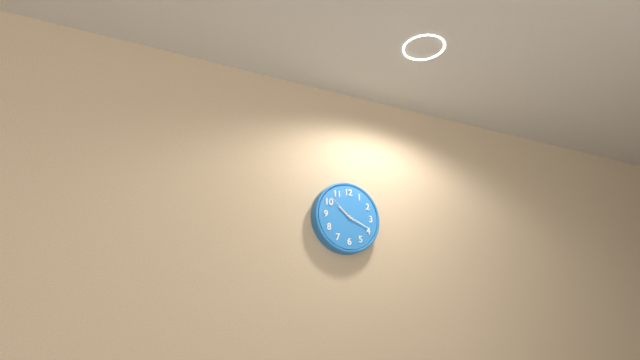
h=10 m=19
